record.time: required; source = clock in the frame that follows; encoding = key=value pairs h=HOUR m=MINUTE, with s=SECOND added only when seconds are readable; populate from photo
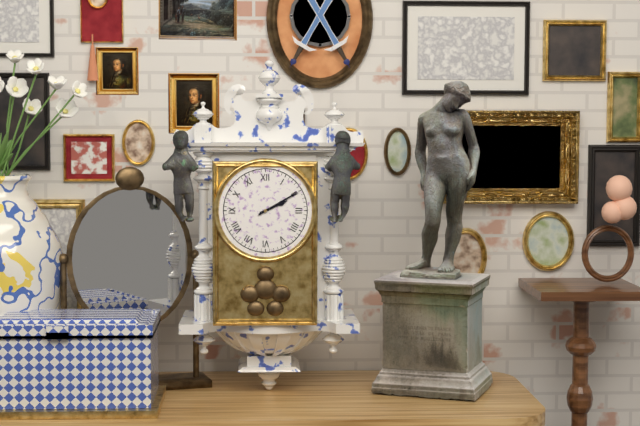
h=2 m=10
